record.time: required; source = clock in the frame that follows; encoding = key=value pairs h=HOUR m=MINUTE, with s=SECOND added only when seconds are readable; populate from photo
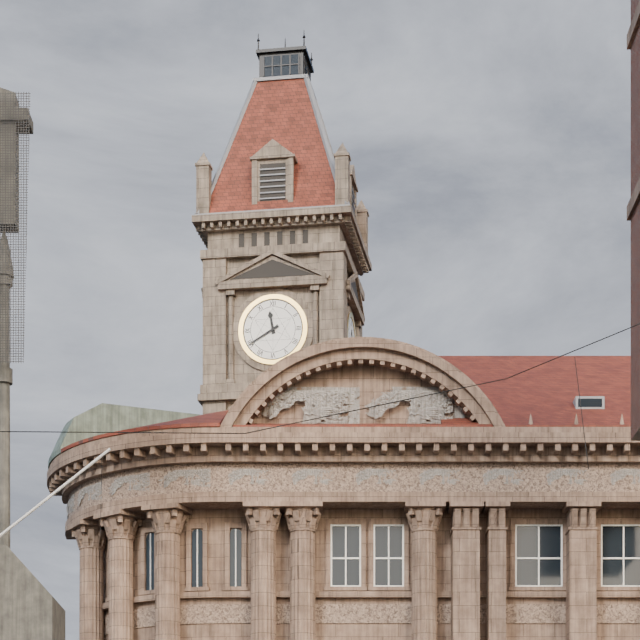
h=11 m=40
